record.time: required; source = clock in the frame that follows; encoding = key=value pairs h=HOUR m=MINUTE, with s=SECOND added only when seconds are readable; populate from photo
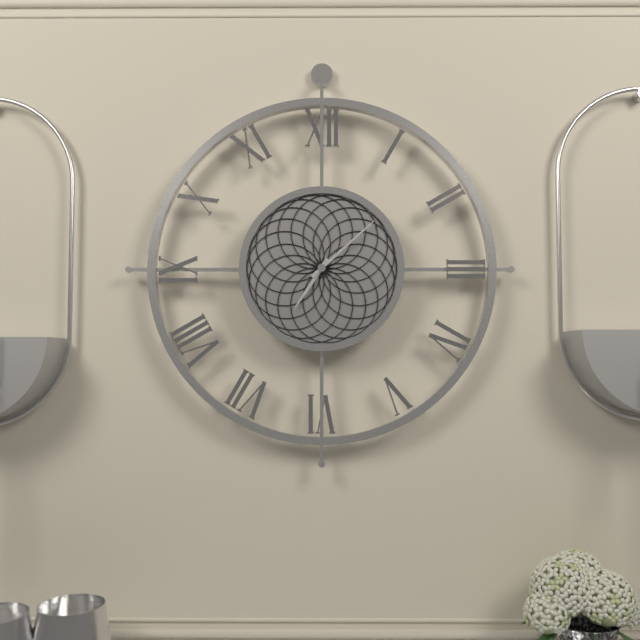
h=7 m=8
